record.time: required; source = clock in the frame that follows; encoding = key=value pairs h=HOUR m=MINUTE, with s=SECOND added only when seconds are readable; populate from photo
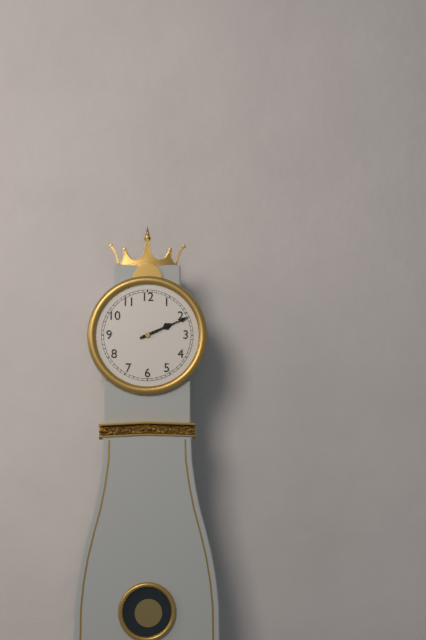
h=2 m=11
